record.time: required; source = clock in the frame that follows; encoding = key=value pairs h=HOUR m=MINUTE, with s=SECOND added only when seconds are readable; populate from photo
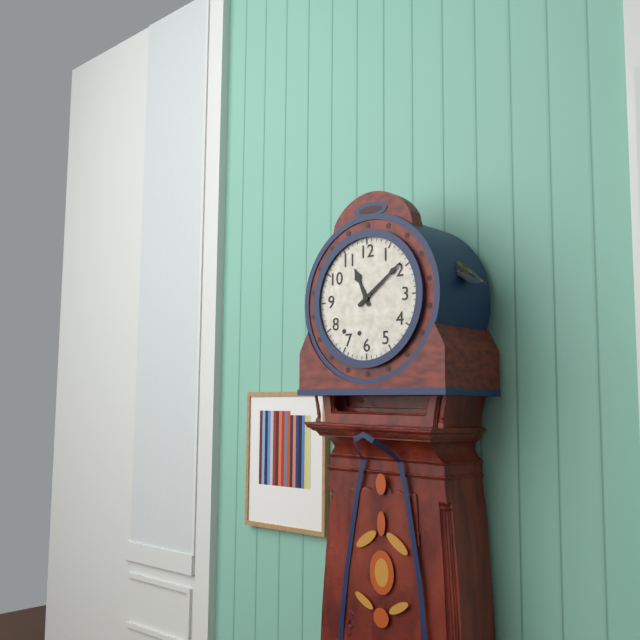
h=11 m=9
